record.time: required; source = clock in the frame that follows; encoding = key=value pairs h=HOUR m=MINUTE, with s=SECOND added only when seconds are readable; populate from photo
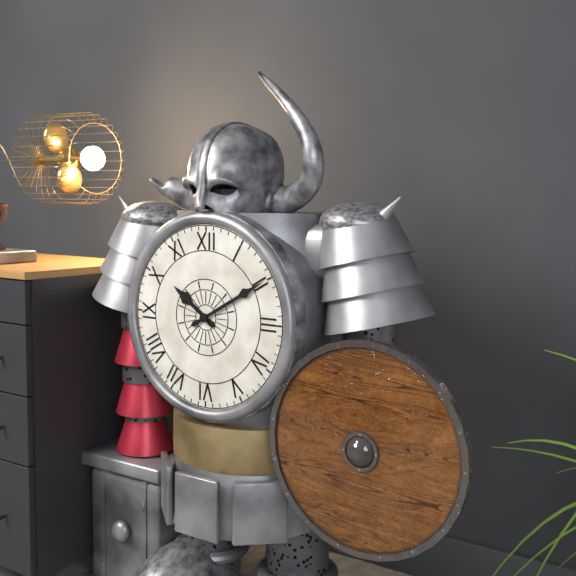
h=10 m=10
